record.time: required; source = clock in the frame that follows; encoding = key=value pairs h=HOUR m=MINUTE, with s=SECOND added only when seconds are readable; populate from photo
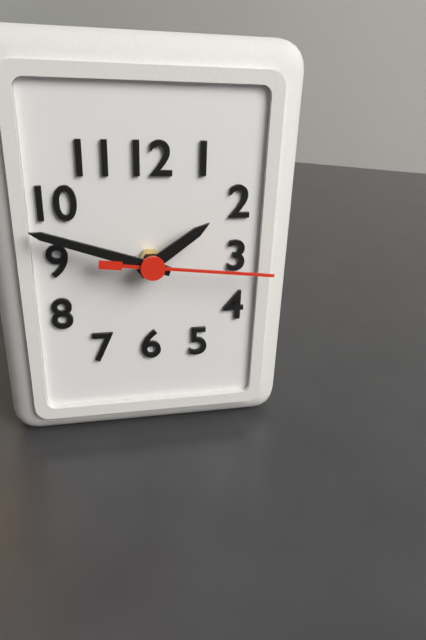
h=1 m=48 s=16
